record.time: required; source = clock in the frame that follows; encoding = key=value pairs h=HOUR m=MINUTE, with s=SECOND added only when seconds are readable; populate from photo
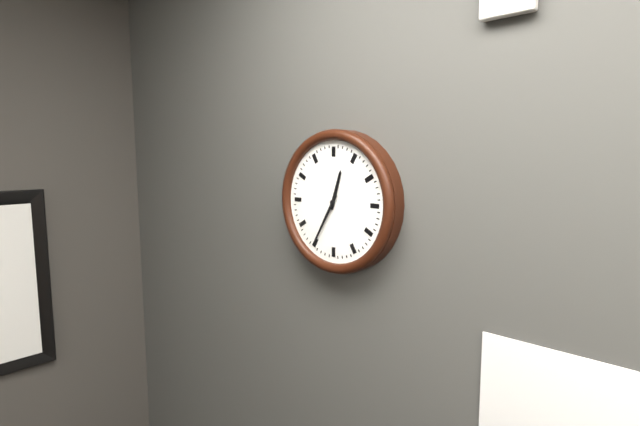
h=12 m=35
